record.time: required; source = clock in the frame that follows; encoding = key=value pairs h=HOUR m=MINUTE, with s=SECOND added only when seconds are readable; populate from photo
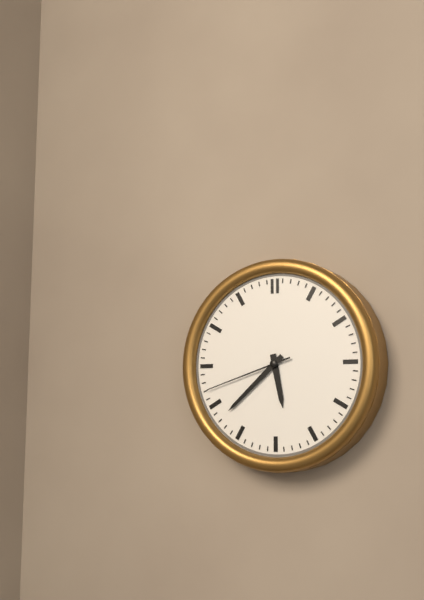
h=5 m=38 s=42
